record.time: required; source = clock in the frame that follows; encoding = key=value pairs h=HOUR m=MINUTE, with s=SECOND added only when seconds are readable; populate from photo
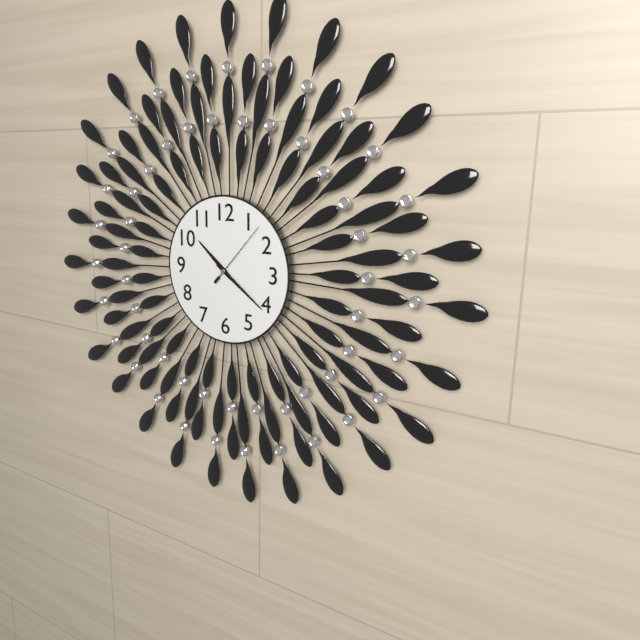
h=10 m=21 s=7
